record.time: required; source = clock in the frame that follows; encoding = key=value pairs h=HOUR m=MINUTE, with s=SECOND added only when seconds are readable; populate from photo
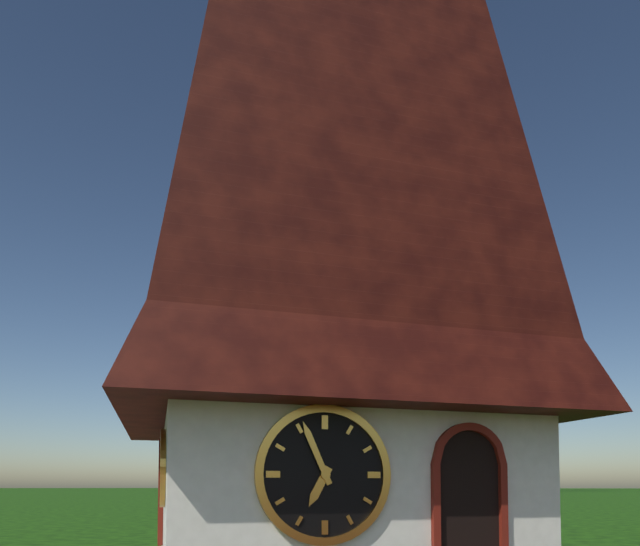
h=6 m=56
